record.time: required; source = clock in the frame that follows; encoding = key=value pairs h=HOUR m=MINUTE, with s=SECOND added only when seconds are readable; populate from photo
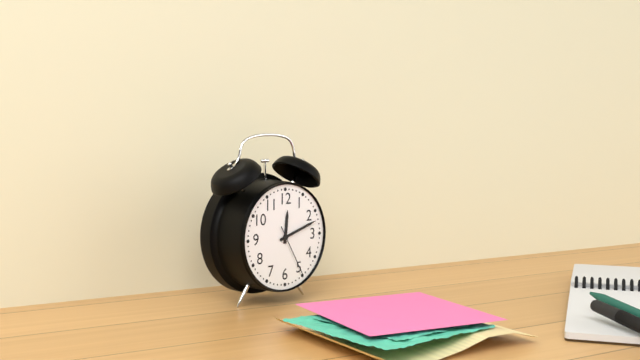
h=12 m=12 s=25
